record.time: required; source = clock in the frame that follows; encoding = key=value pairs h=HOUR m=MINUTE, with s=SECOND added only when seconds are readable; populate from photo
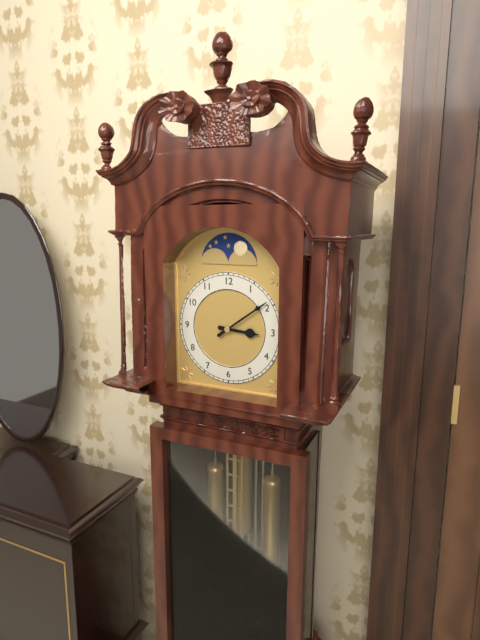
h=3 m=9
